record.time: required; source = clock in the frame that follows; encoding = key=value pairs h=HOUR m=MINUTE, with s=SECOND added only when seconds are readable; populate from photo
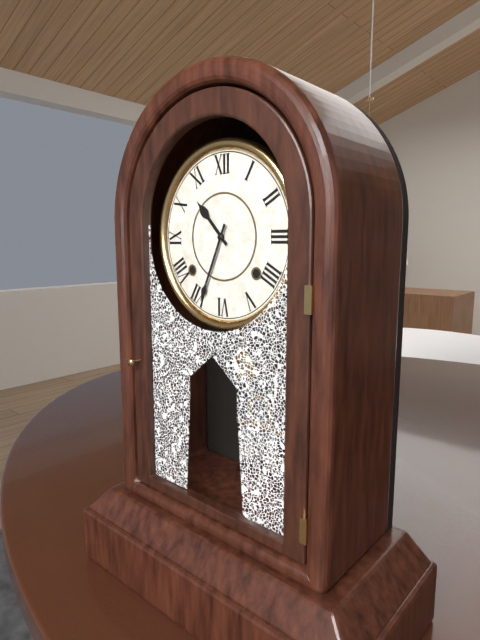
h=10 m=34
